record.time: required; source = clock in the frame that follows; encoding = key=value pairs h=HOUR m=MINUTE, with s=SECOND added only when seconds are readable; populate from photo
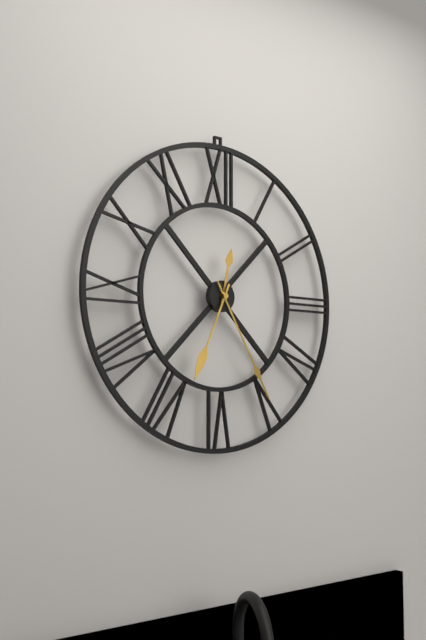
h=12 m=25 s=34
